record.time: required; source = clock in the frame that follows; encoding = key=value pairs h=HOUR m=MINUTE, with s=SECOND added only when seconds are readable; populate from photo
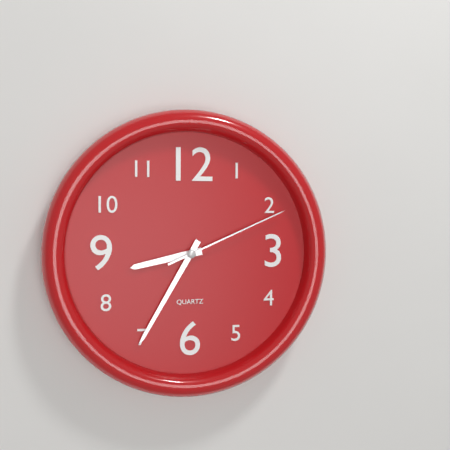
h=8 m=35 s=11
